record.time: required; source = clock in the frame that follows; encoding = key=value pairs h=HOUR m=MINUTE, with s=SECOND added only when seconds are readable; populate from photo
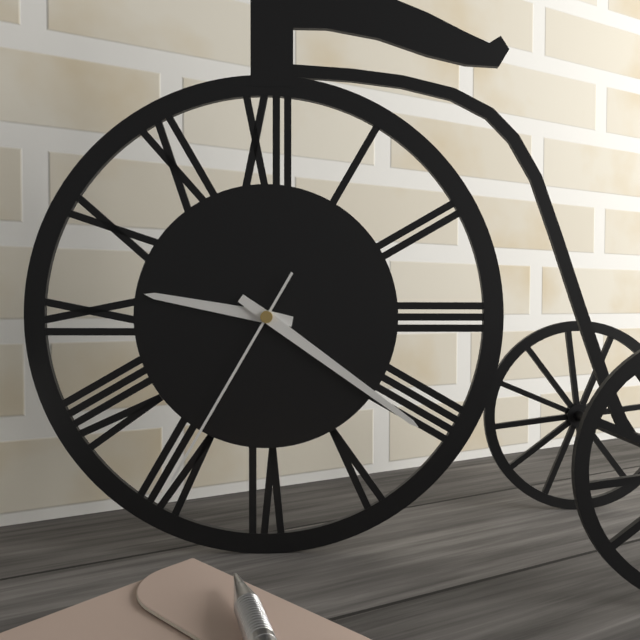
h=9 m=21 s=35
